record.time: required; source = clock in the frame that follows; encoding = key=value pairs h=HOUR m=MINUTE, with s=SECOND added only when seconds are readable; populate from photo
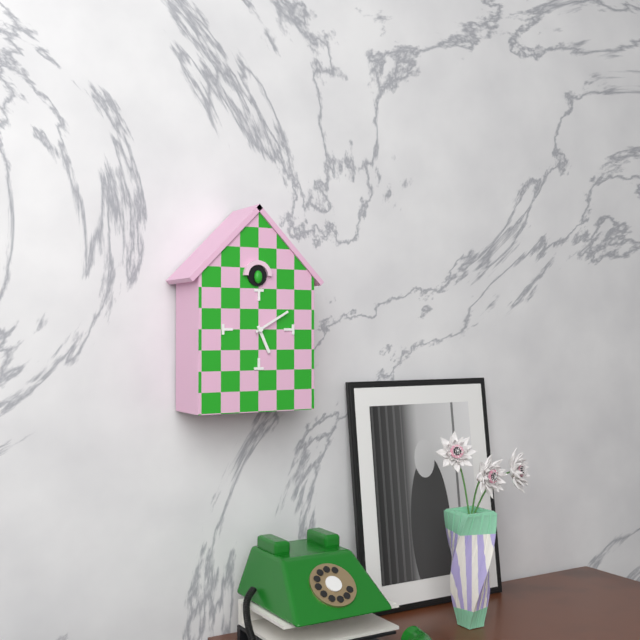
h=5 m=10
